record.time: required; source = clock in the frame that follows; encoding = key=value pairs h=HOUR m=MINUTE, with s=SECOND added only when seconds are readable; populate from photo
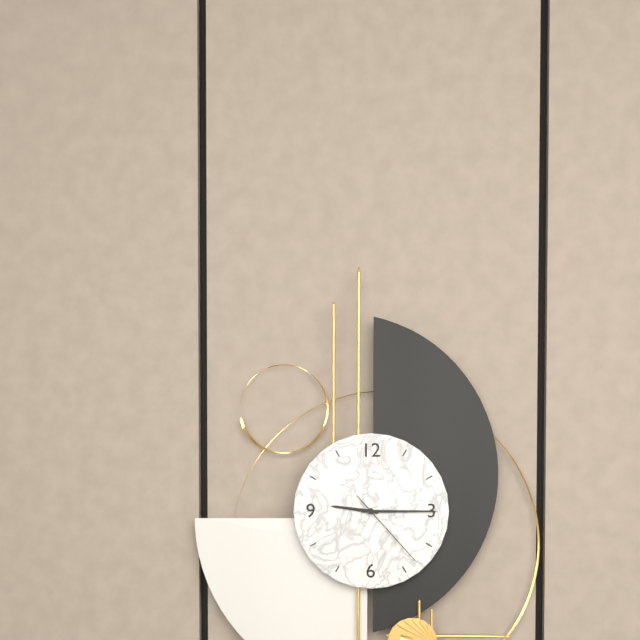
h=9 m=15 s=23
